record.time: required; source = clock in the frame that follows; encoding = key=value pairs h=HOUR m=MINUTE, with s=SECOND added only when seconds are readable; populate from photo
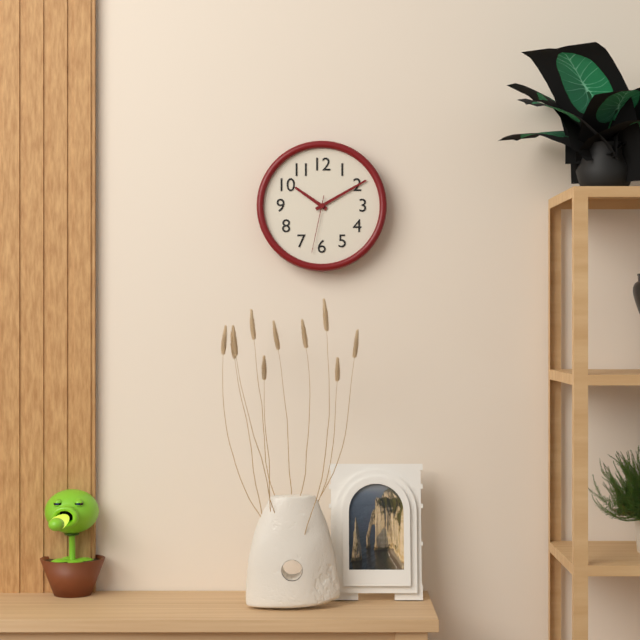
h=10 m=10 s=32
